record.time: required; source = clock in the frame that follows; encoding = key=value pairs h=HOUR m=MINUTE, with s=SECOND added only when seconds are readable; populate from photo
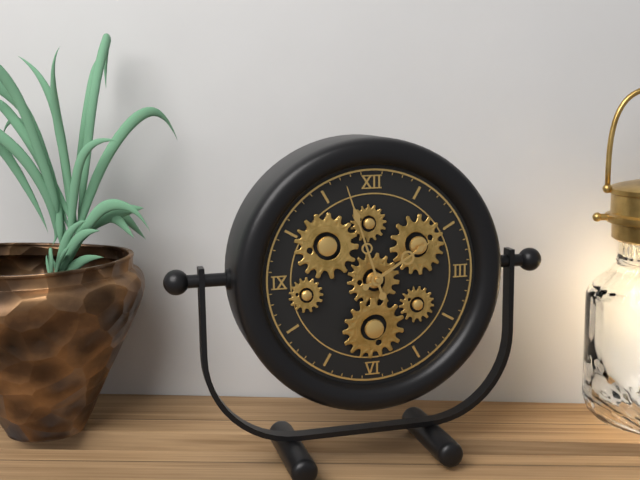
h=1 m=57
